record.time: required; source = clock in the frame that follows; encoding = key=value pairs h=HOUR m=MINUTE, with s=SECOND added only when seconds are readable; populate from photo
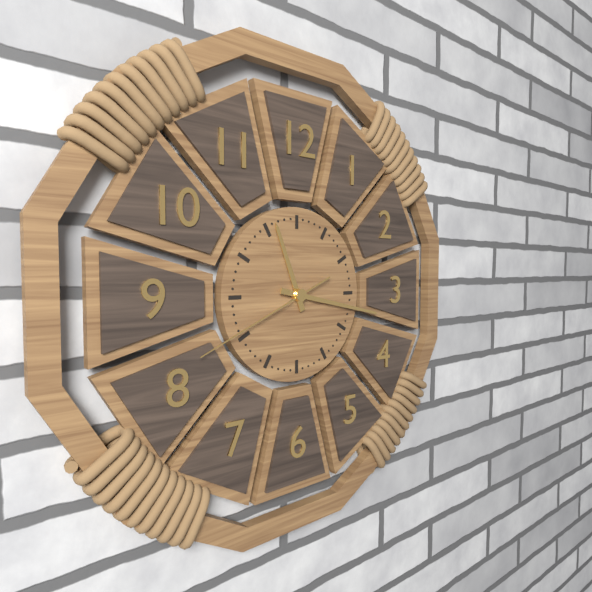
h=11 m=17 s=41
